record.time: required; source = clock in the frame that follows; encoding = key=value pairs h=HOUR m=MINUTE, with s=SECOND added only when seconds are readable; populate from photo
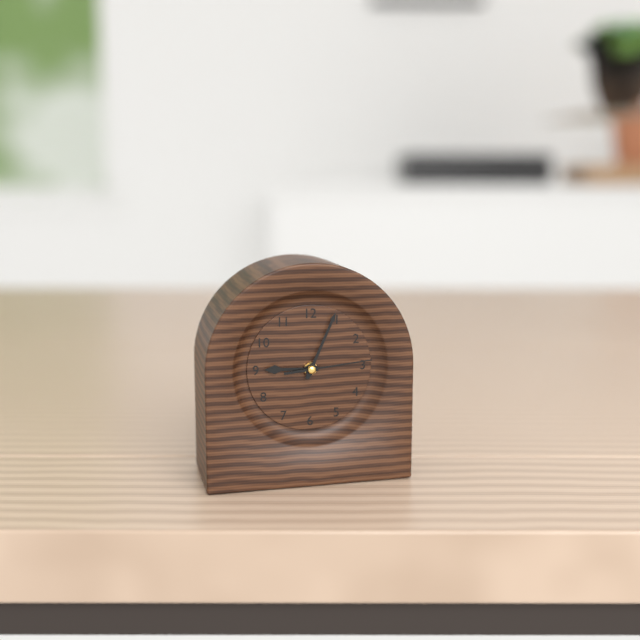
h=9 m=4 s=14
